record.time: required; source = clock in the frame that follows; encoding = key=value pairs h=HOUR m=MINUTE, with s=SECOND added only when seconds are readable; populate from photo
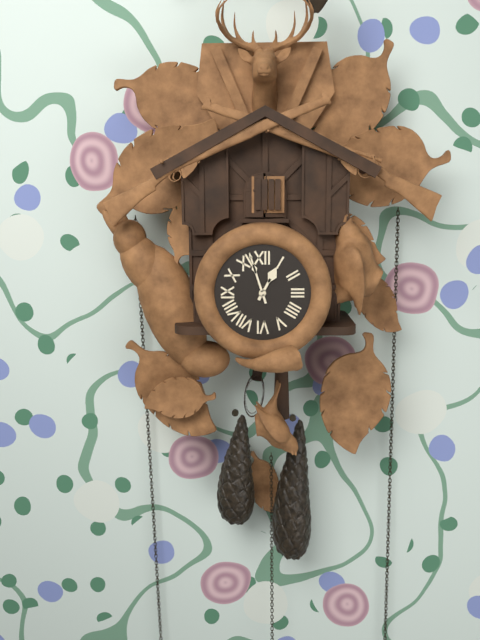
h=12 m=57
